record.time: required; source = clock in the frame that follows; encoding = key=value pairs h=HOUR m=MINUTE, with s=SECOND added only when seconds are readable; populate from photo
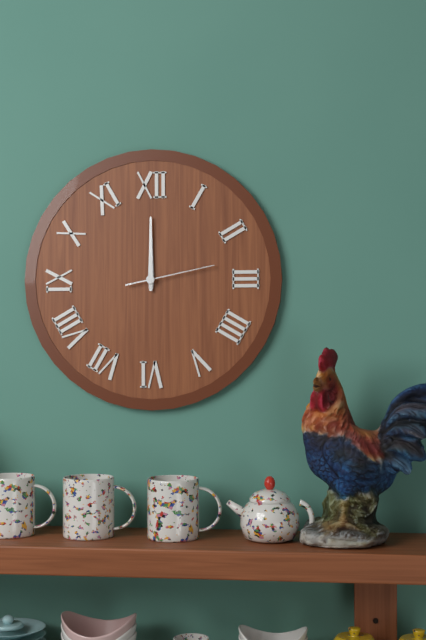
h=12 m=0 s=13
